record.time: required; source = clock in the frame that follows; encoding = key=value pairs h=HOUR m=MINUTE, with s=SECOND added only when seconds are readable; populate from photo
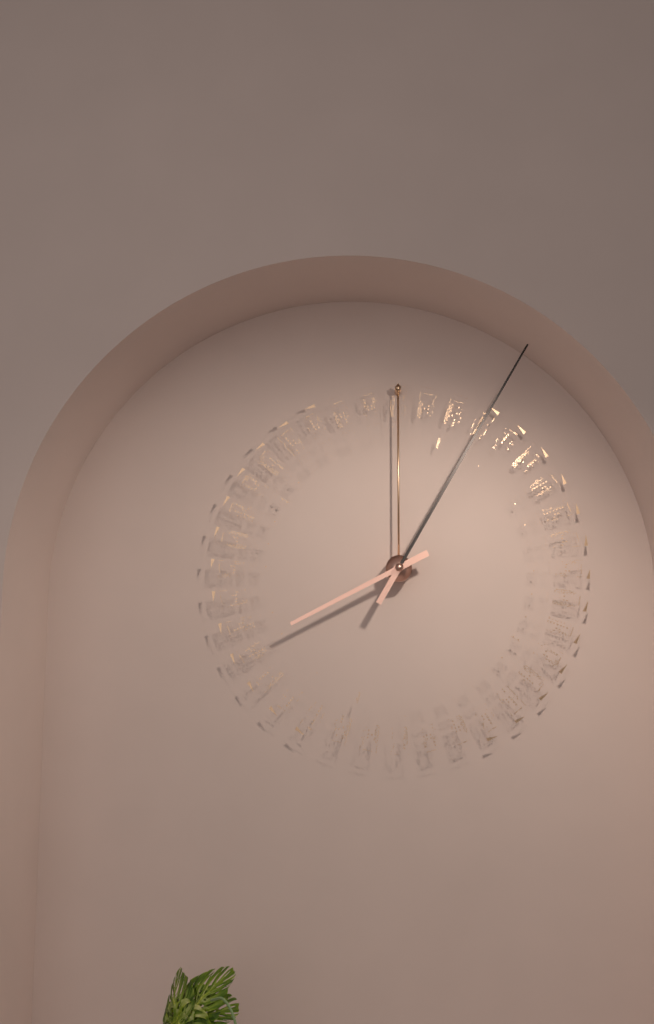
h=8 m=5
